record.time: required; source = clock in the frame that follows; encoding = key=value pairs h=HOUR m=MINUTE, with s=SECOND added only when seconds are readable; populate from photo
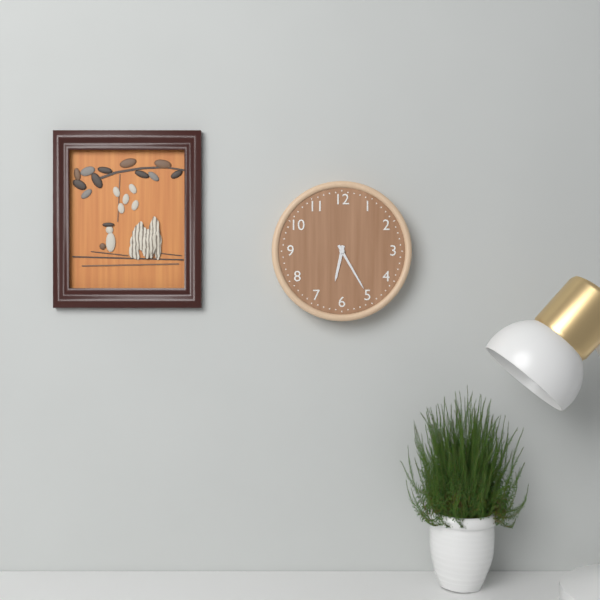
h=6 m=25
